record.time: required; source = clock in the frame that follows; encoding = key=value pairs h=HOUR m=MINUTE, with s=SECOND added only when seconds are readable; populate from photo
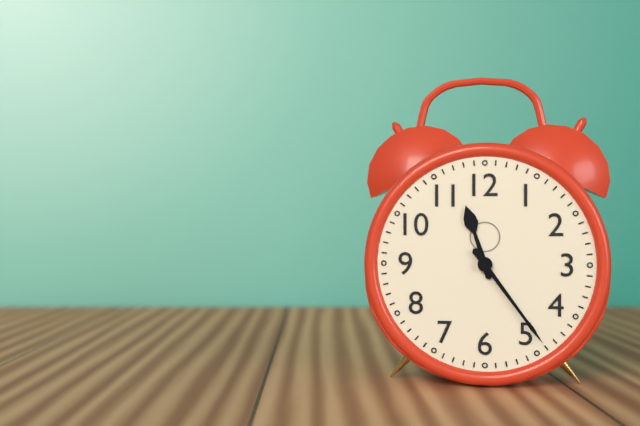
h=11 m=24
